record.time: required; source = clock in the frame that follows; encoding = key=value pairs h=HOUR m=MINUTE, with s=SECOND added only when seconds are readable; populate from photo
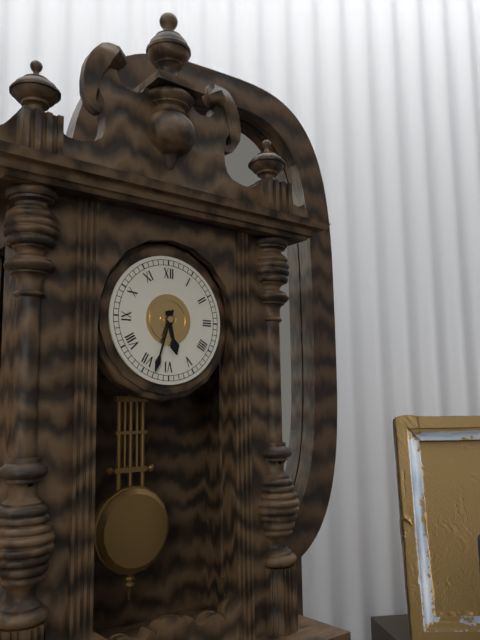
h=5 m=33
